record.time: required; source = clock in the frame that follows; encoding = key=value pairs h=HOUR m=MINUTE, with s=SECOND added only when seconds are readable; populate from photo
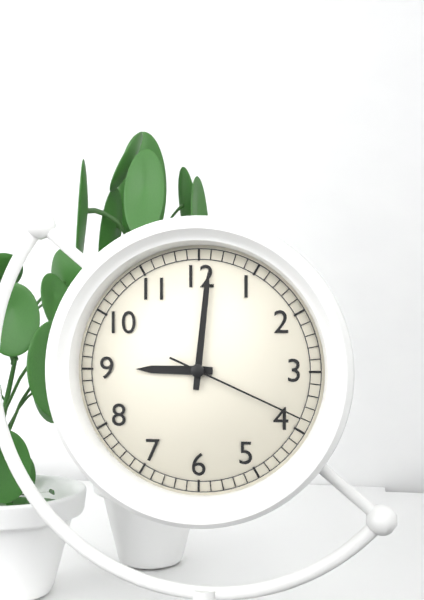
h=9 m=1 s=19
